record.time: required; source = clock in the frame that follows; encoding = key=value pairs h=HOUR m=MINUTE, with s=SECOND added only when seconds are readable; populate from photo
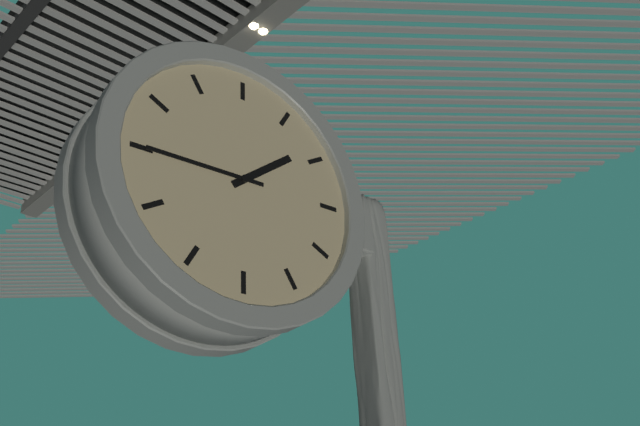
h=1 m=45
